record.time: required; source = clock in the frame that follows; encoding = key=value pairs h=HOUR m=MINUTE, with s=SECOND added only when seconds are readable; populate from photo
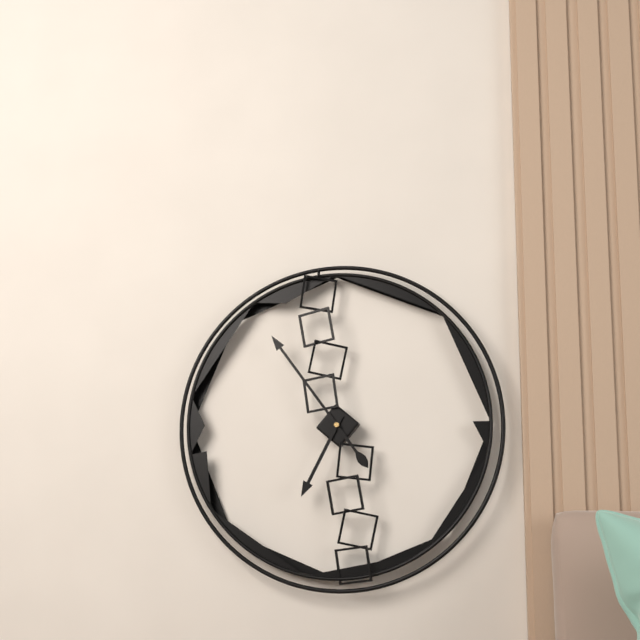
h=6 m=54
